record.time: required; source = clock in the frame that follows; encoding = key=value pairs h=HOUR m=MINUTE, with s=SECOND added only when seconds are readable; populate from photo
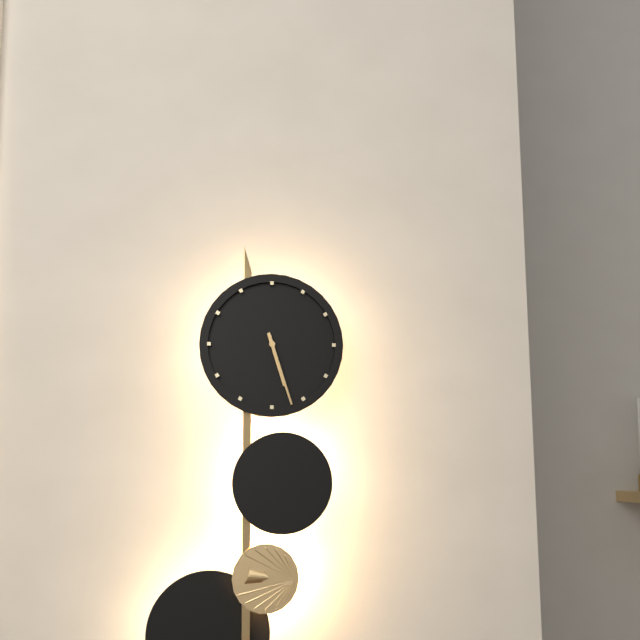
h=5 m=27
